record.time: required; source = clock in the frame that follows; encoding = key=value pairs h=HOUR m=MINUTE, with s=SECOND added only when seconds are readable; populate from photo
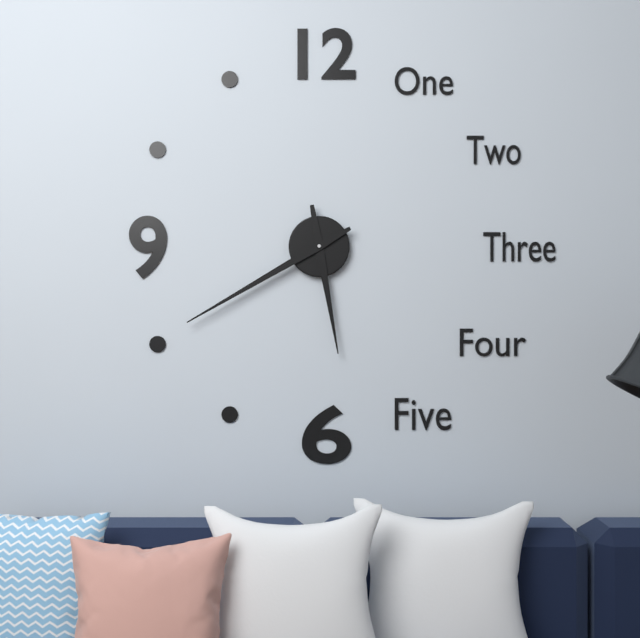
h=5 m=40
